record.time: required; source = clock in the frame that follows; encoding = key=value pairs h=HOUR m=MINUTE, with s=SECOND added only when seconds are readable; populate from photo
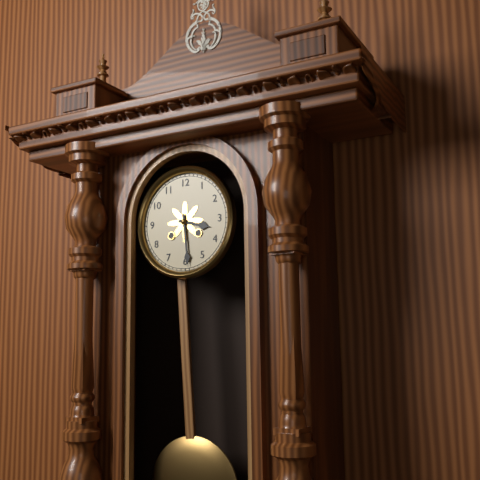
h=3 m=29
